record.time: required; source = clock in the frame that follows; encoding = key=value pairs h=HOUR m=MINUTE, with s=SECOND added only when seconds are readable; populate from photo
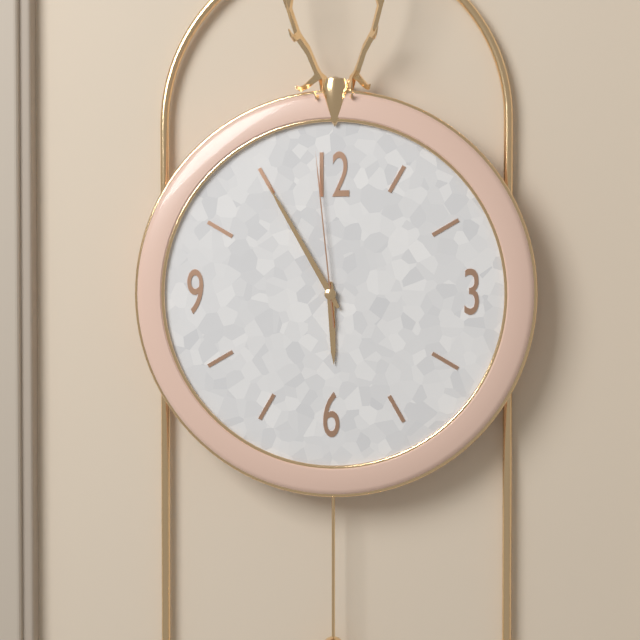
h=5 m=55 s=59
